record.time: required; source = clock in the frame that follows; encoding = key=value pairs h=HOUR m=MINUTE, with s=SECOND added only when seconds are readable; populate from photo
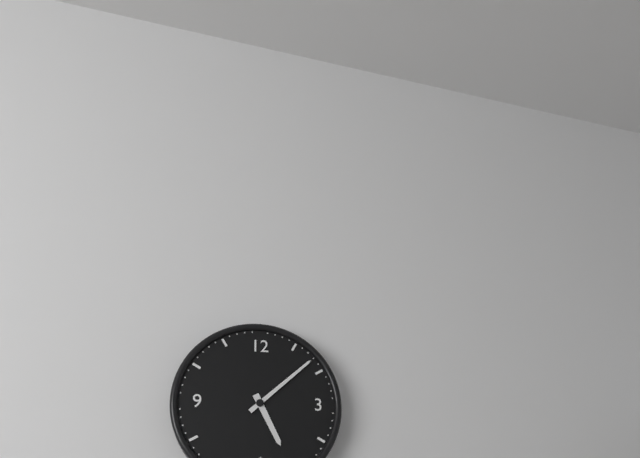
h=5 m=8
